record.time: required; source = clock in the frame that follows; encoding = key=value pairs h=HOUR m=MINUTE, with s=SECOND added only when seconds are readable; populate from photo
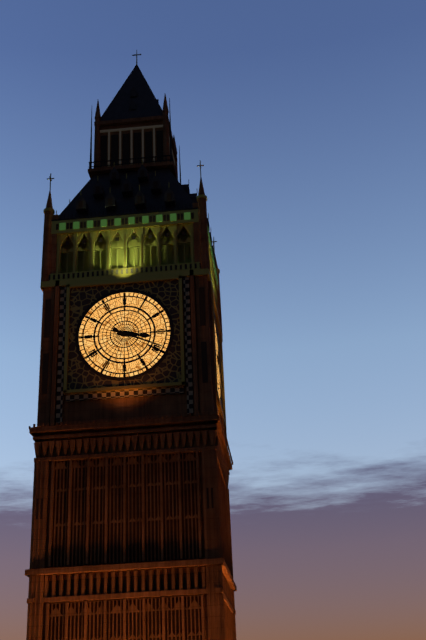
h=3 m=19
